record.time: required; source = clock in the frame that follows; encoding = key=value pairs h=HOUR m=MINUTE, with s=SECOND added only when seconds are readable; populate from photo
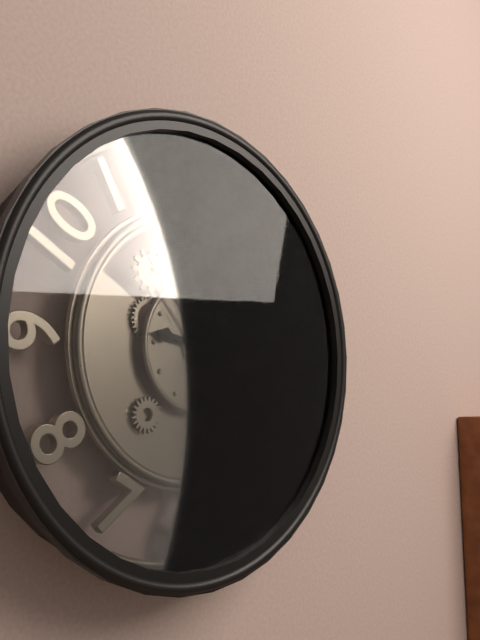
h=9 m=19 s=53
